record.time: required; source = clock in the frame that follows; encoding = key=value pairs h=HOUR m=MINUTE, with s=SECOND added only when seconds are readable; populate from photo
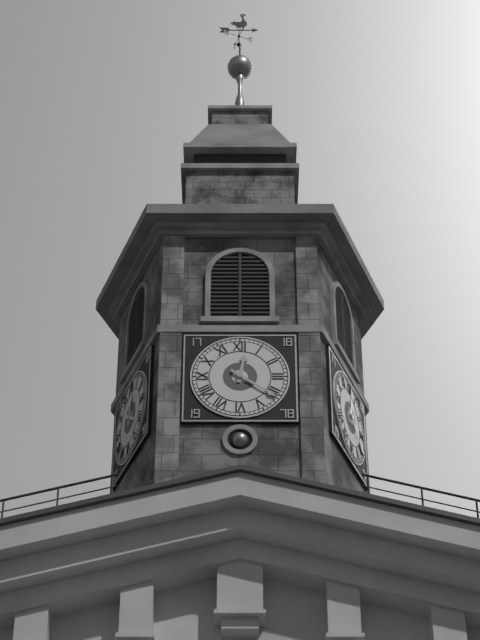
h=12 m=21
